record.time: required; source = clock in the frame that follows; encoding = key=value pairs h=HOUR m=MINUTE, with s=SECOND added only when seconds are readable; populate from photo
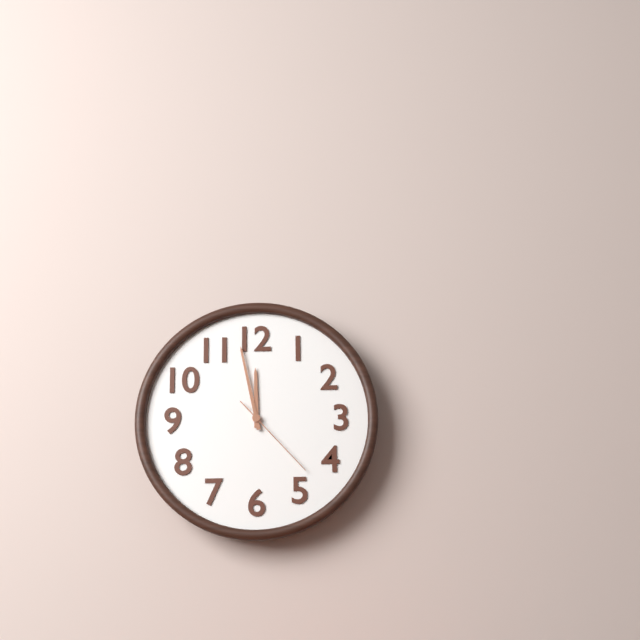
h=11 m=58 s=23
